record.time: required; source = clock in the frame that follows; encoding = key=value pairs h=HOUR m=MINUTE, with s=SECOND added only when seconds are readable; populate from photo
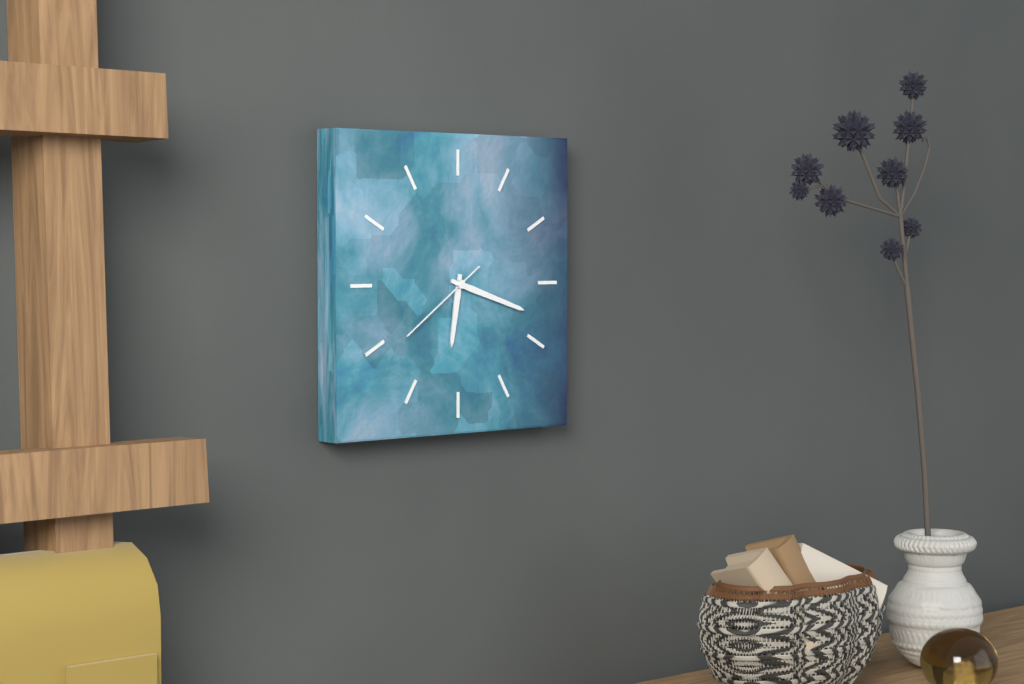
h=6 m=18 s=39
